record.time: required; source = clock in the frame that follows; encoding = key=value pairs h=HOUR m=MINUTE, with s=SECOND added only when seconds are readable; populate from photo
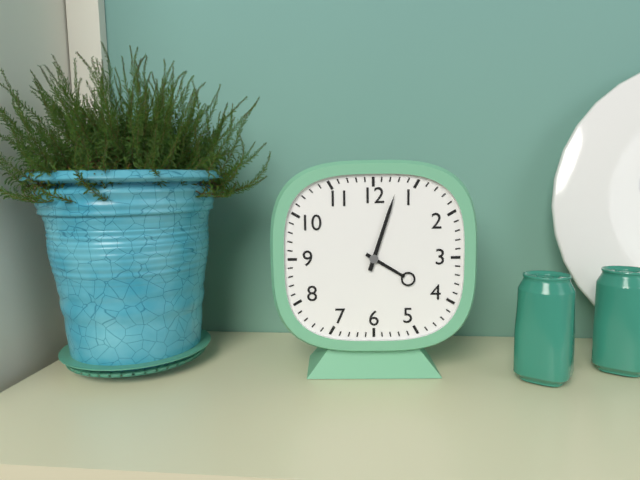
h=4 m=3
